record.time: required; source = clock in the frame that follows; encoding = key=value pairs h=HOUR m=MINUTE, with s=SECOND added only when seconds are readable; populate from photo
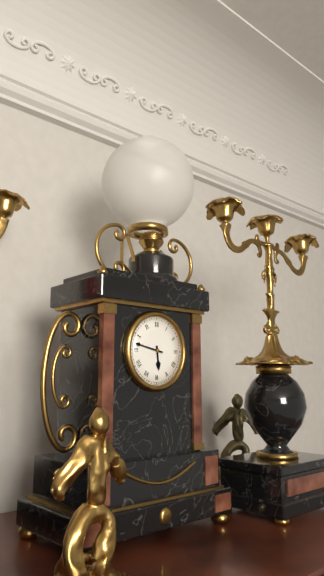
h=5 m=47
